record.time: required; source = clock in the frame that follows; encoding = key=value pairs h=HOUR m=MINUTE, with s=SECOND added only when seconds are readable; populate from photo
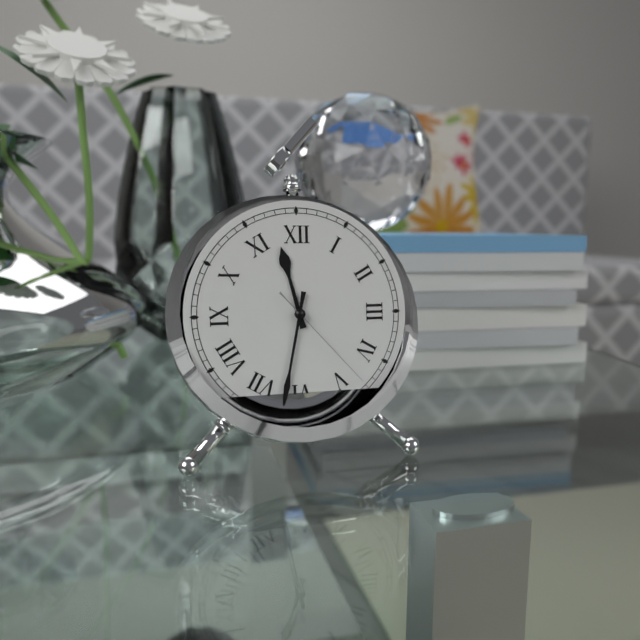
h=11 m=32 s=23
